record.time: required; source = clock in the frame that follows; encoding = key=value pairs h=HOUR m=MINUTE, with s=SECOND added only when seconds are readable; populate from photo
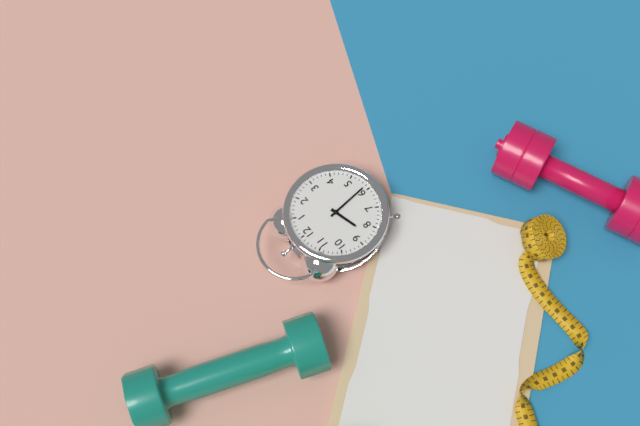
h=8 m=29
